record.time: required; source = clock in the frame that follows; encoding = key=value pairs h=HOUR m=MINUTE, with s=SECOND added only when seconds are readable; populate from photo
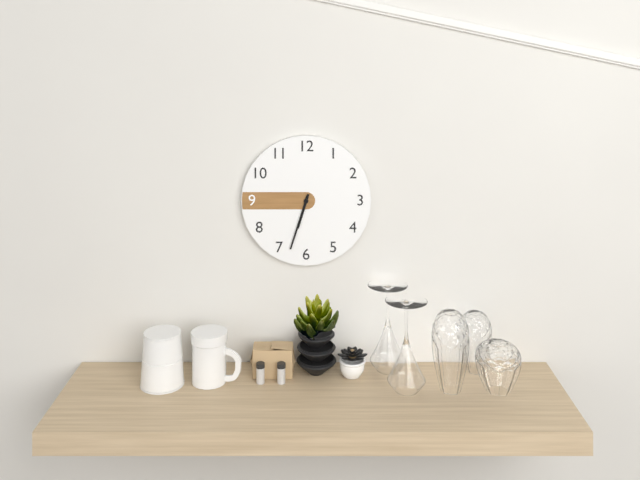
h=6 m=33
